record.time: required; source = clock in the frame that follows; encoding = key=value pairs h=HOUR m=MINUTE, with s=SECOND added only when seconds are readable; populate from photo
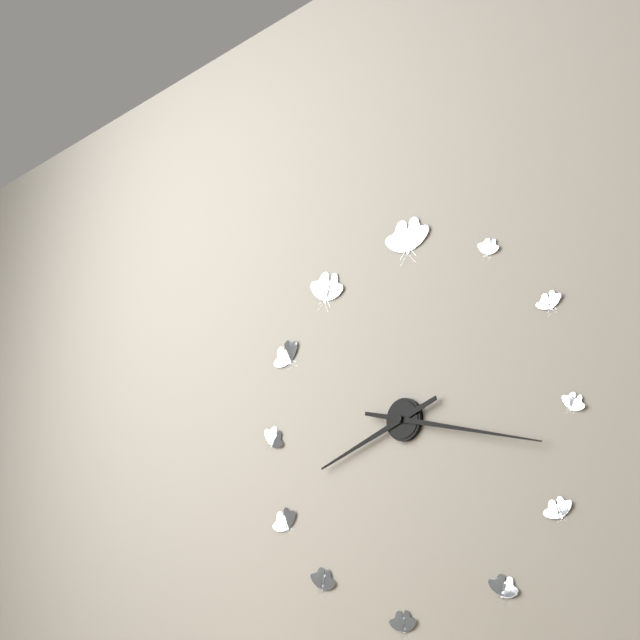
h=8 m=17
